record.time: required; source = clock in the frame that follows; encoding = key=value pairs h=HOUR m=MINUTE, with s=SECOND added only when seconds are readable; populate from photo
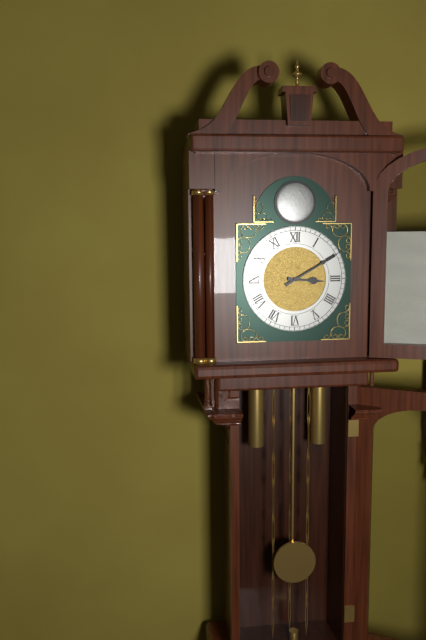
h=3 m=10
